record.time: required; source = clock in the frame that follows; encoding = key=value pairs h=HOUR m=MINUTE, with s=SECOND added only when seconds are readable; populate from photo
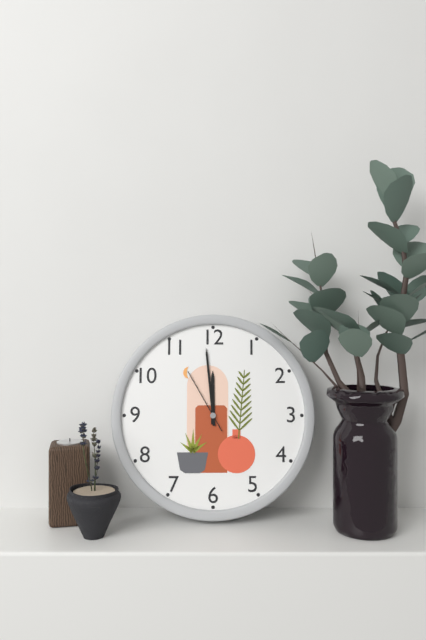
h=11 m=59 s=55
